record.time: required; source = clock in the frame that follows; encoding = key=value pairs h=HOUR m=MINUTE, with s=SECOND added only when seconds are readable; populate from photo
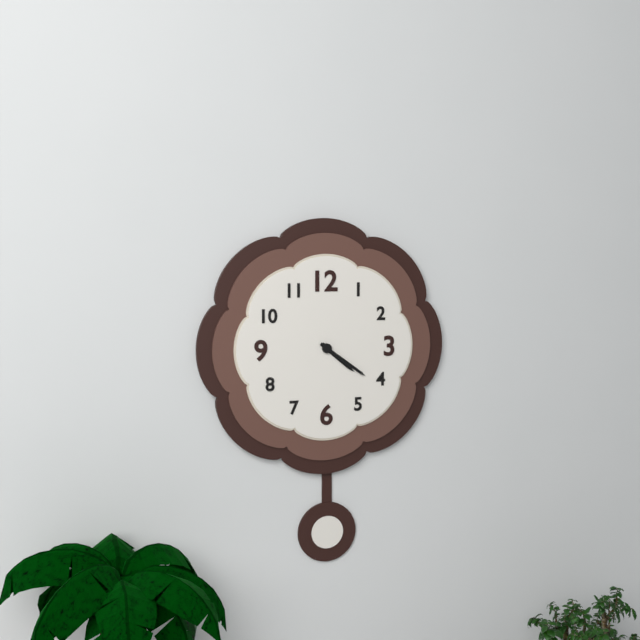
h=4 m=21
